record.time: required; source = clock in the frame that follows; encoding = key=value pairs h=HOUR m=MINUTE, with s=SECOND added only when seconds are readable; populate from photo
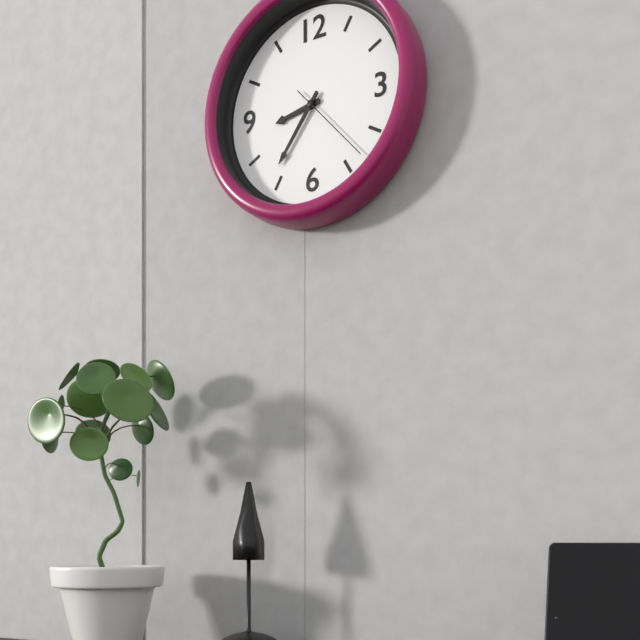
h=8 m=36 s=23
